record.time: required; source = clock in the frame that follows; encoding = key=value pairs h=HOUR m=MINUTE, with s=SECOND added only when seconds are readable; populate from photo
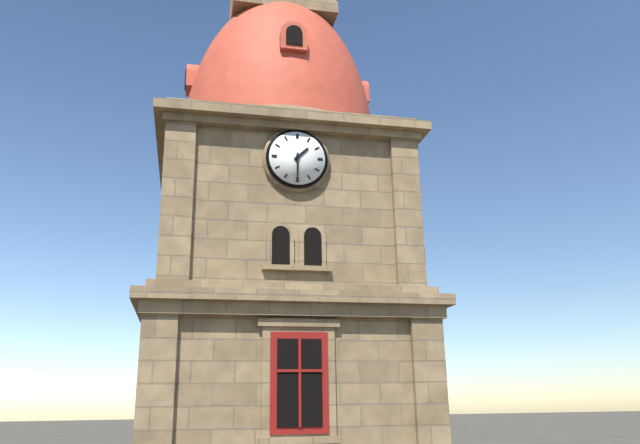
h=1 m=30
